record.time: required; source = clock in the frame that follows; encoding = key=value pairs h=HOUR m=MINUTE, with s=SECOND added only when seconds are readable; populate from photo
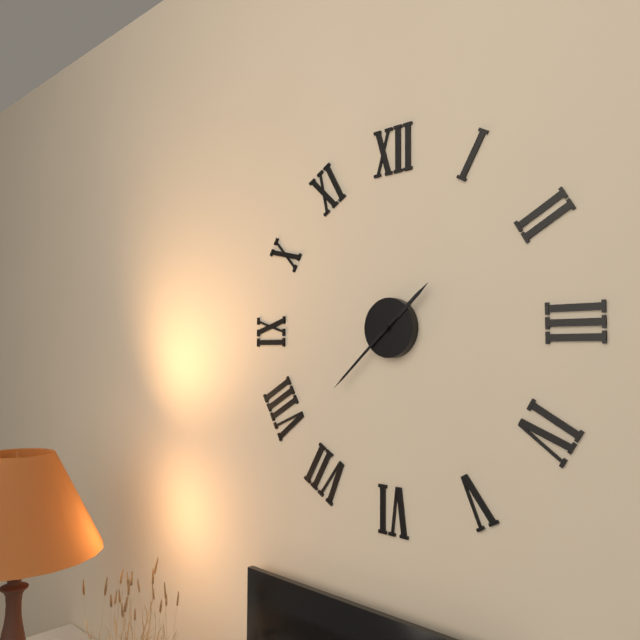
h=1 m=38
